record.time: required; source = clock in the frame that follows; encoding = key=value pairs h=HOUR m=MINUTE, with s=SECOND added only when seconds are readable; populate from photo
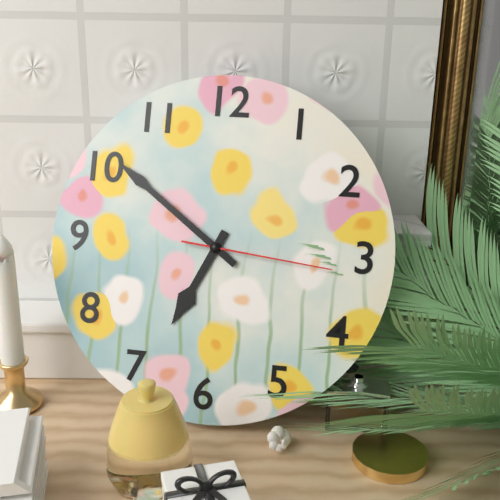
h=6 m=51 s=16
